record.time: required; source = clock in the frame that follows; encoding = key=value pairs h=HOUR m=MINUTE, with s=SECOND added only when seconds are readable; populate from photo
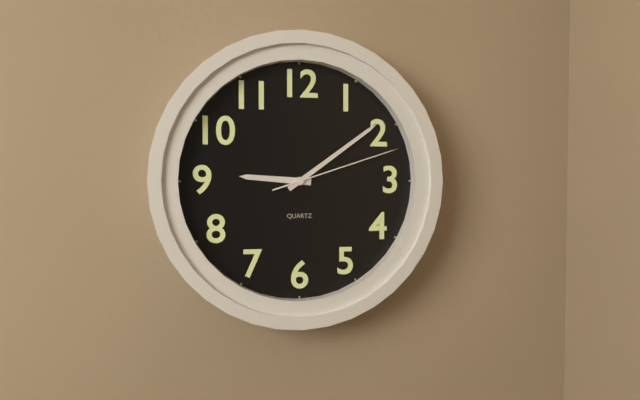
h=9 m=9 s=12
